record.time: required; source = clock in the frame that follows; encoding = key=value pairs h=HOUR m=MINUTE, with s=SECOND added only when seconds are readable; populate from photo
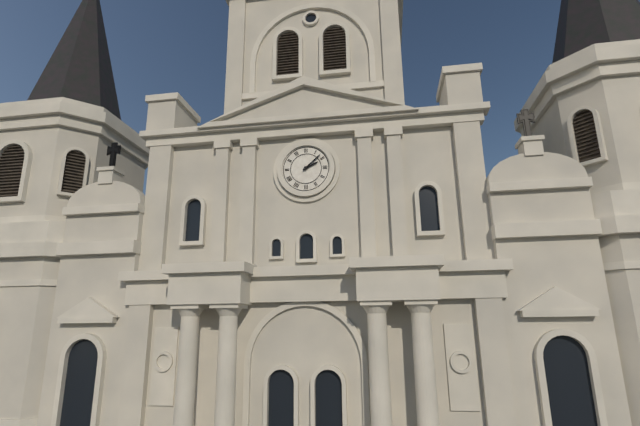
h=2 m=8
